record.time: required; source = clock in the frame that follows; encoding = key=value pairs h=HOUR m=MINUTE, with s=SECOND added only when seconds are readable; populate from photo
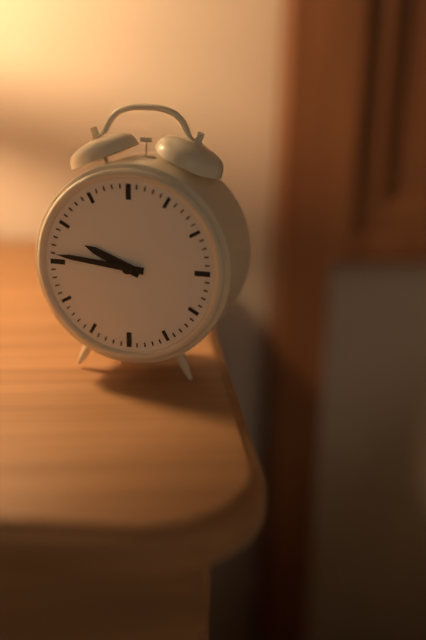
h=9 m=46
